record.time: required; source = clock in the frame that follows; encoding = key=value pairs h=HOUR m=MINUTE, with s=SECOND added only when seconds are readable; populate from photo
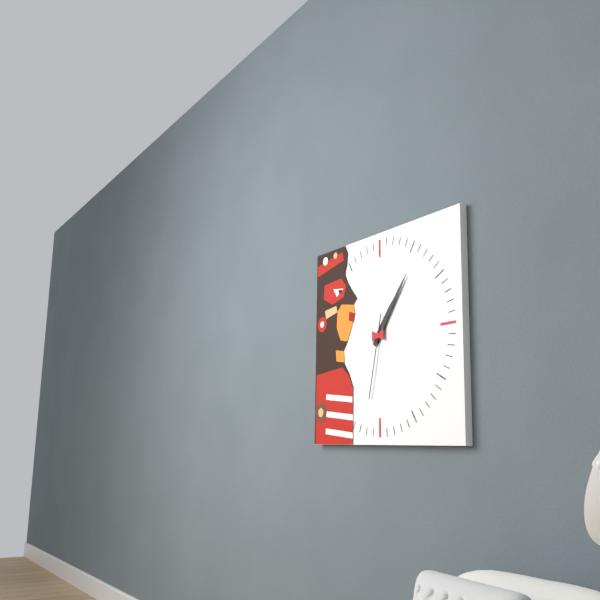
h=1 m=6 s=32
